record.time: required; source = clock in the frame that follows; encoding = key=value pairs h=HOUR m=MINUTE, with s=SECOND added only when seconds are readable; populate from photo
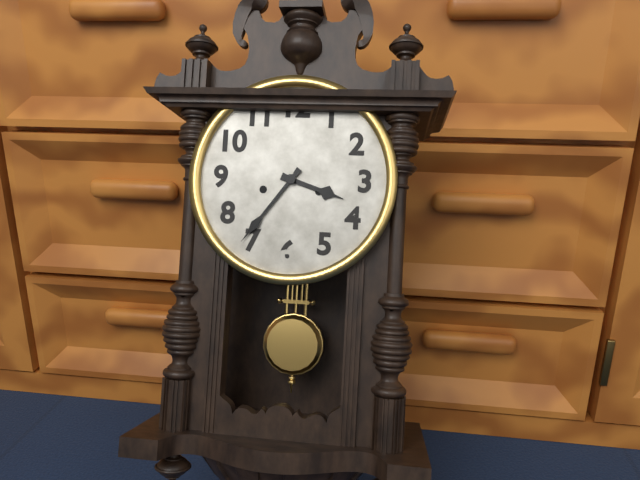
h=3 m=36
